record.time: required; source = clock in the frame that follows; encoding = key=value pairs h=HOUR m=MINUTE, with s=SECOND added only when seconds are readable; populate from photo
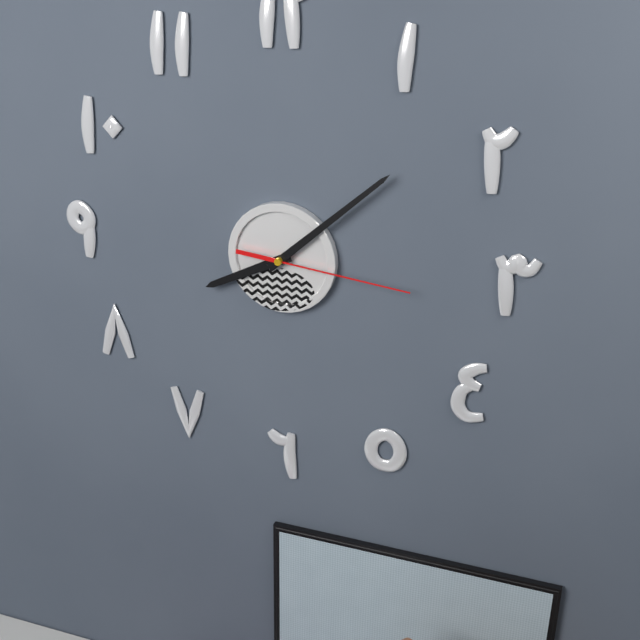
h=8 m=8 s=16
